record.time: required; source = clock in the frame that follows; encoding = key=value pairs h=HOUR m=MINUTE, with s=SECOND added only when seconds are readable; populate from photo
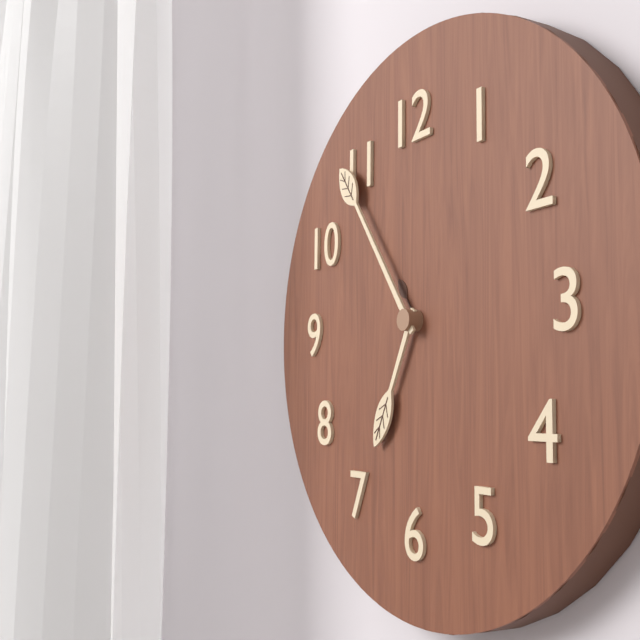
h=6 m=54
